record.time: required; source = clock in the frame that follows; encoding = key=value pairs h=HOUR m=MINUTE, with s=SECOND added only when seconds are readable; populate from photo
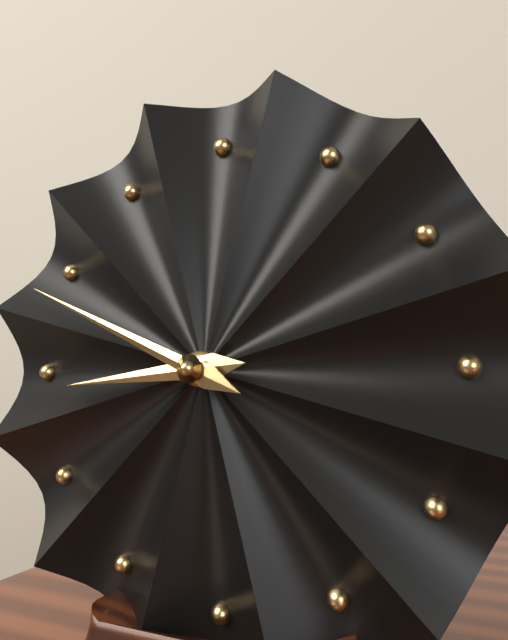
h=8 m=49
